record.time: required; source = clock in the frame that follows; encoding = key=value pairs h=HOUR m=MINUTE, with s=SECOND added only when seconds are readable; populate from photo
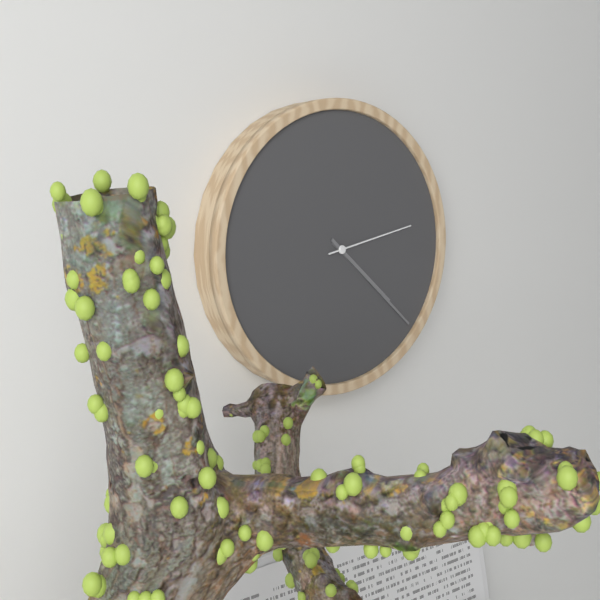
h=4 m=22 s=13
